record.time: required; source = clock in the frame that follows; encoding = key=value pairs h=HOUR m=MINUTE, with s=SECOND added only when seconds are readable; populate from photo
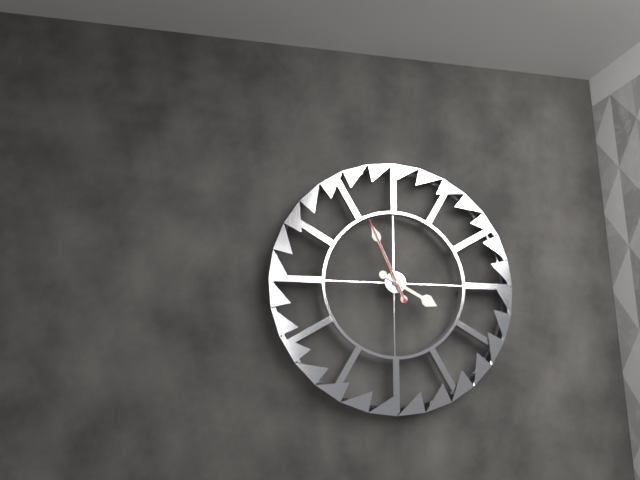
h=3 m=56 s=56
